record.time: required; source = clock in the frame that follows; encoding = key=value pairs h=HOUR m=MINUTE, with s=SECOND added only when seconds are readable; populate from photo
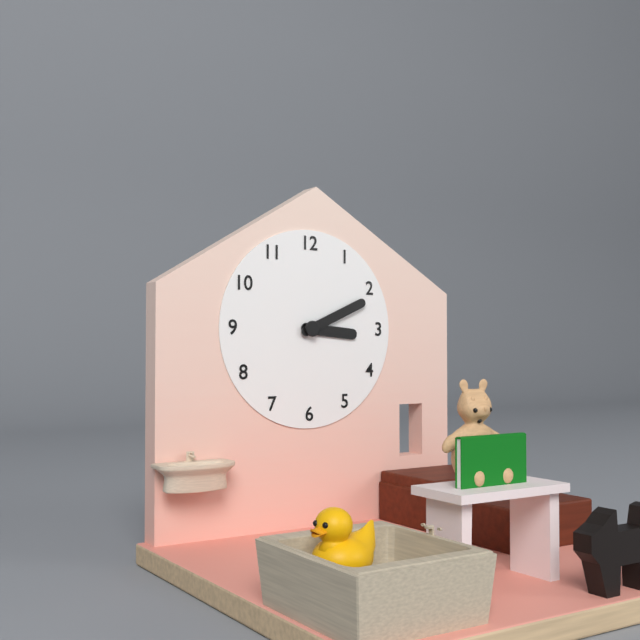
h=3 m=11
